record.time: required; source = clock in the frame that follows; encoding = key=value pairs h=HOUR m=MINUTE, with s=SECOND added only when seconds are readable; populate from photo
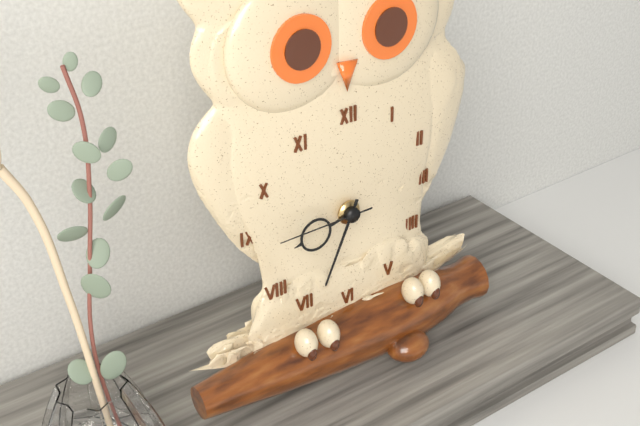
h=8 m=34 s=45
